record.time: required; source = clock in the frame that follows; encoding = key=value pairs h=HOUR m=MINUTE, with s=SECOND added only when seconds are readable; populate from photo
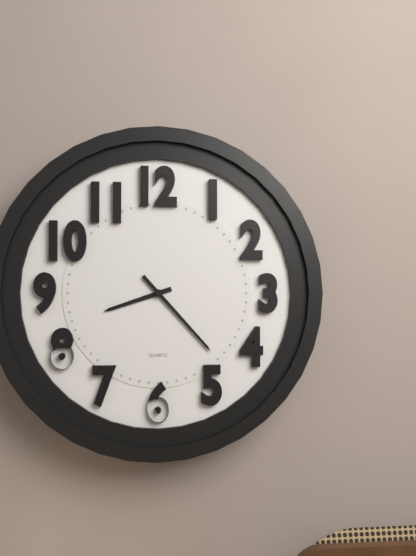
h=8 m=23
